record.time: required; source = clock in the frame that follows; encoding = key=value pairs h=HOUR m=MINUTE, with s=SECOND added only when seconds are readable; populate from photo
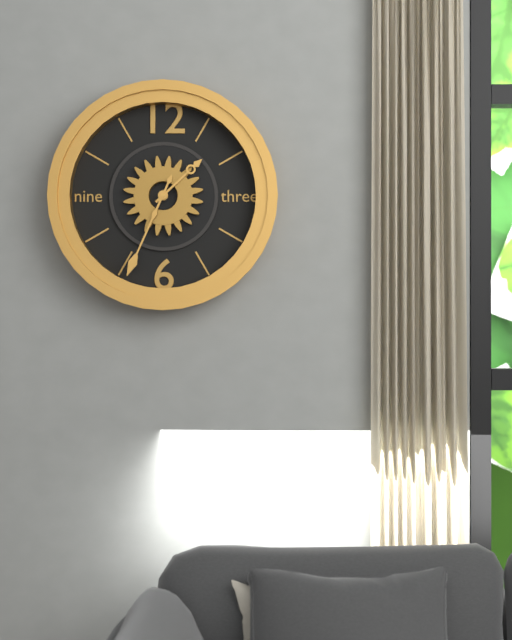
h=1 m=34
